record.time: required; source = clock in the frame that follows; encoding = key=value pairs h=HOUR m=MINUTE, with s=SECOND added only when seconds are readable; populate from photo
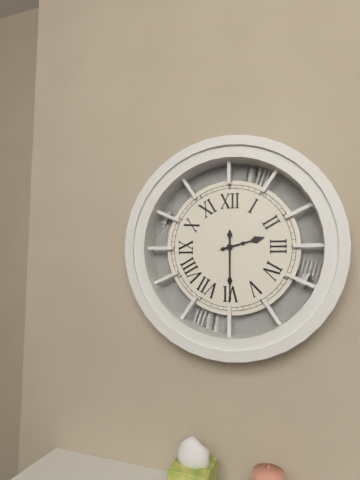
h=2 m=30
